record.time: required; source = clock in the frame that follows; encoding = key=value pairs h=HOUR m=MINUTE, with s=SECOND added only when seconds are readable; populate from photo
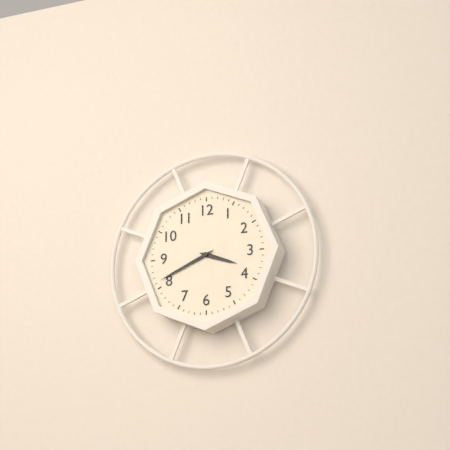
h=3 m=41
